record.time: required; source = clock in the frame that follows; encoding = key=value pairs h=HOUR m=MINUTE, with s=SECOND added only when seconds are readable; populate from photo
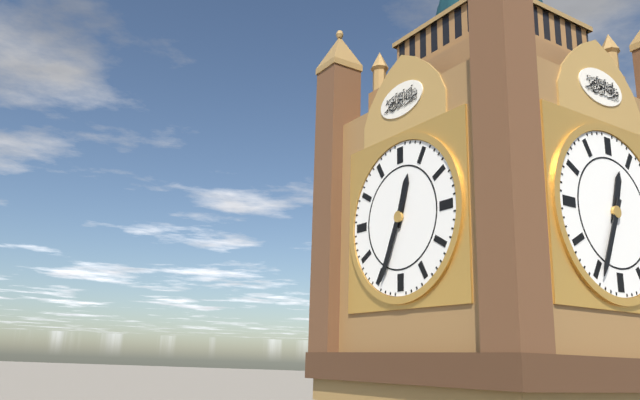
h=12 m=34
